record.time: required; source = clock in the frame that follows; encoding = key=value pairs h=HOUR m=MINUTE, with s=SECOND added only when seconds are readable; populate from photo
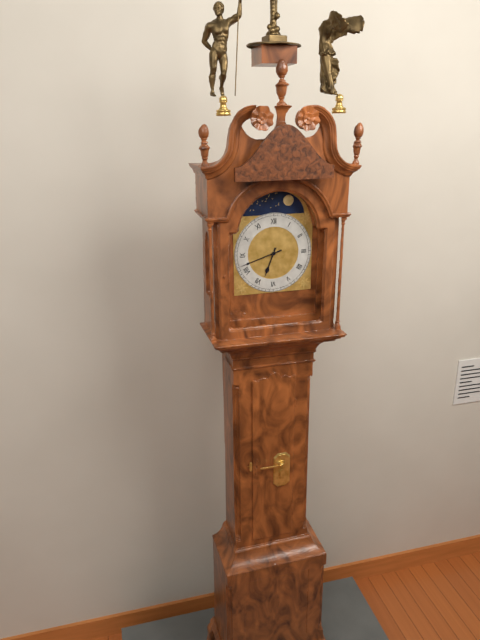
h=6 m=42
